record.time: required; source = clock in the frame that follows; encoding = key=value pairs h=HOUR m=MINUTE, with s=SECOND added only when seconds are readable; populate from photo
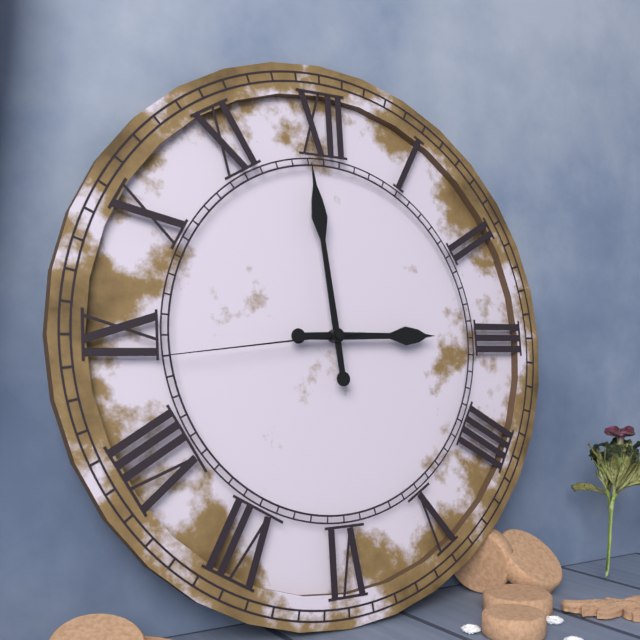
h=2 m=59 s=44
